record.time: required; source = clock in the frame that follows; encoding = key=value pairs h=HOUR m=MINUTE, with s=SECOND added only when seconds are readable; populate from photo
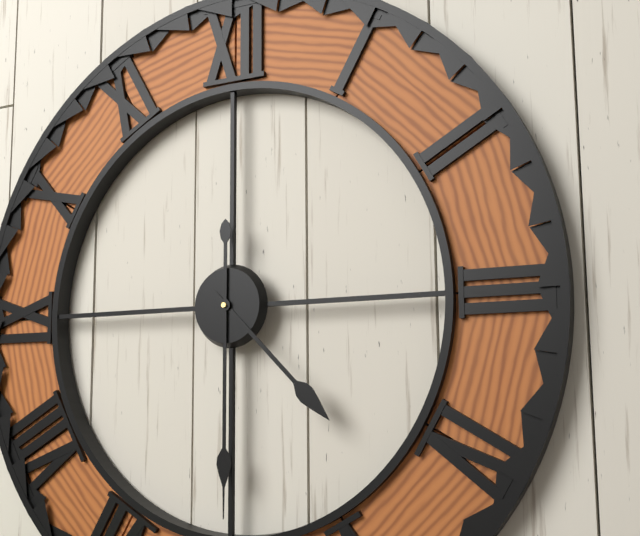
h=4 m=30
